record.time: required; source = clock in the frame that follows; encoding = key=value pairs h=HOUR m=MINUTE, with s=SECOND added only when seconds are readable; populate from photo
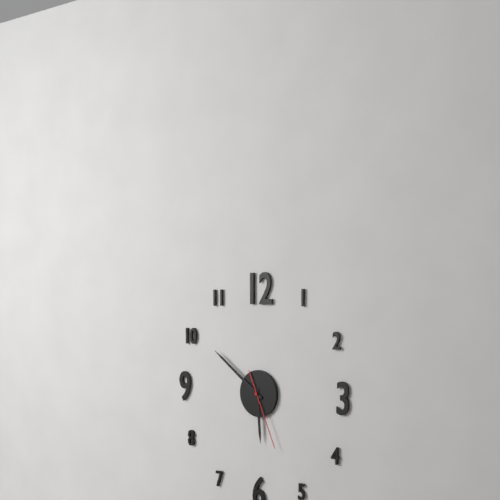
h=5 m=51 s=26
